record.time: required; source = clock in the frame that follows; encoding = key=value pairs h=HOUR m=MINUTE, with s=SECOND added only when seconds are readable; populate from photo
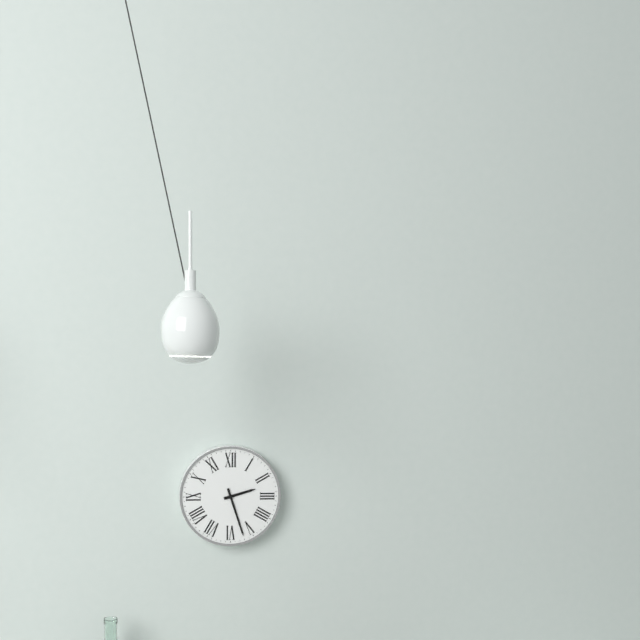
h=2 m=27
